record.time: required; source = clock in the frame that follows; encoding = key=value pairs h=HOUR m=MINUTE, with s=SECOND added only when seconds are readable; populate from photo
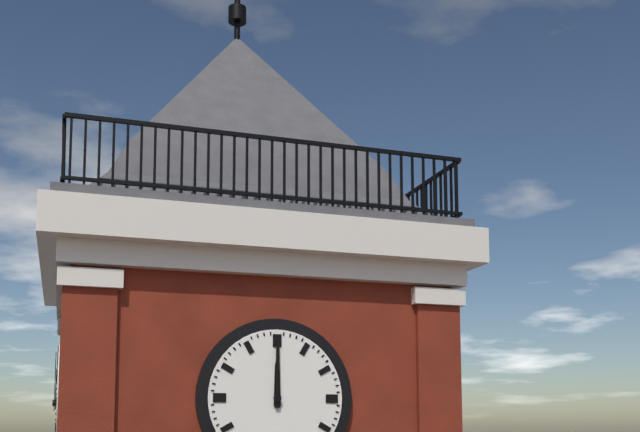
h=12 m=0
